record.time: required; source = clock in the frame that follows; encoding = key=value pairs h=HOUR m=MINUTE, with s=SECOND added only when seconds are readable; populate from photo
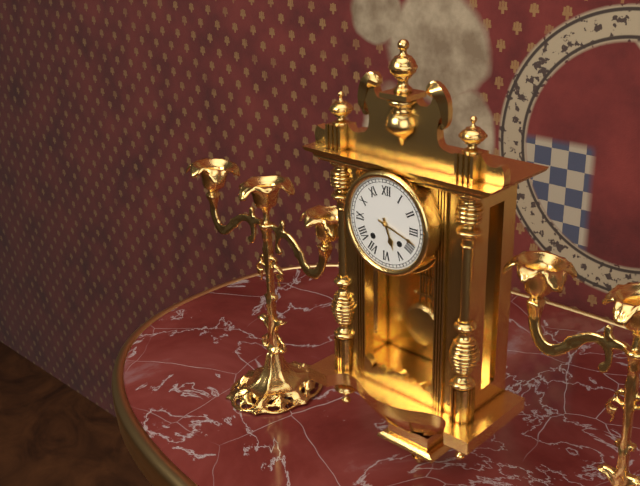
h=5 m=18
